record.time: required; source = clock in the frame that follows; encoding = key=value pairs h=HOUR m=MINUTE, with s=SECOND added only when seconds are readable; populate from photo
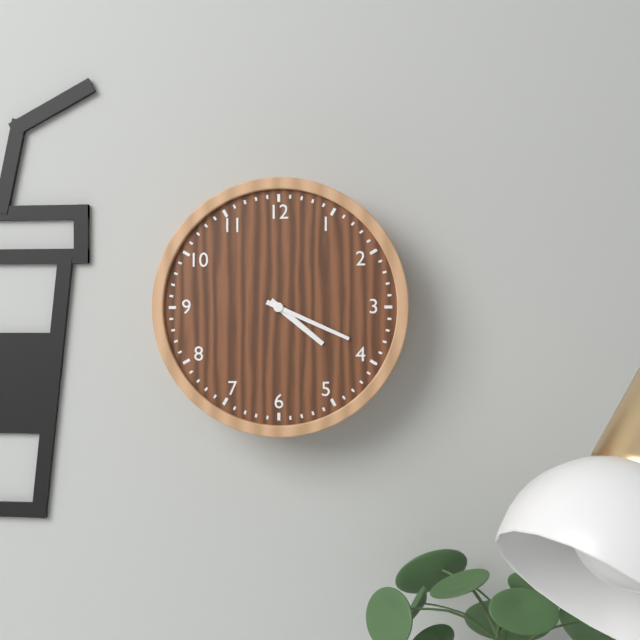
h=4 m=19
